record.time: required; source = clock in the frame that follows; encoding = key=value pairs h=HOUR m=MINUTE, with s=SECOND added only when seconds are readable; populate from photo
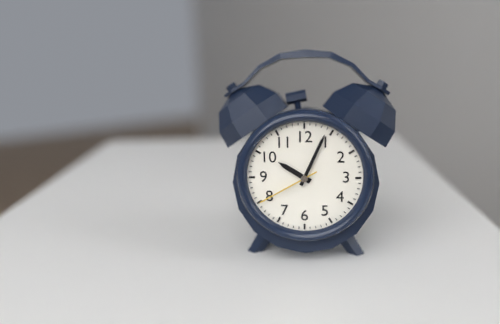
h=10 m=4 s=40
